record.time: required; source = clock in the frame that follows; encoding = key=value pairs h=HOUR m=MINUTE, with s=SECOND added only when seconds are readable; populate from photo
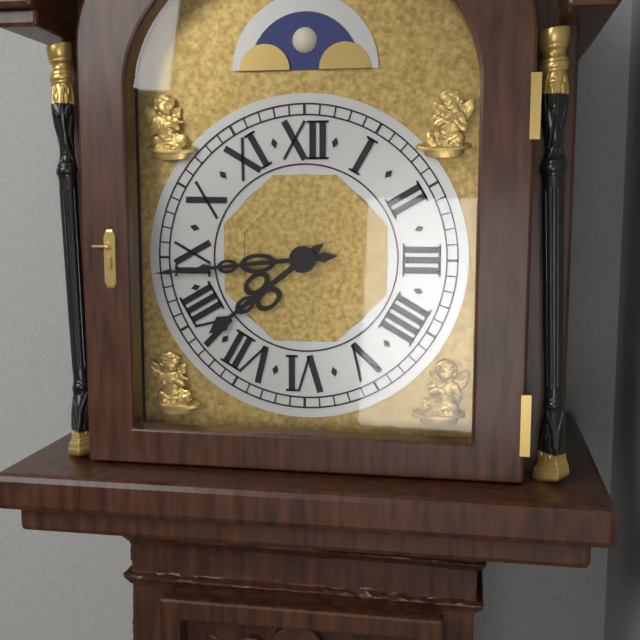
h=7 m=44
